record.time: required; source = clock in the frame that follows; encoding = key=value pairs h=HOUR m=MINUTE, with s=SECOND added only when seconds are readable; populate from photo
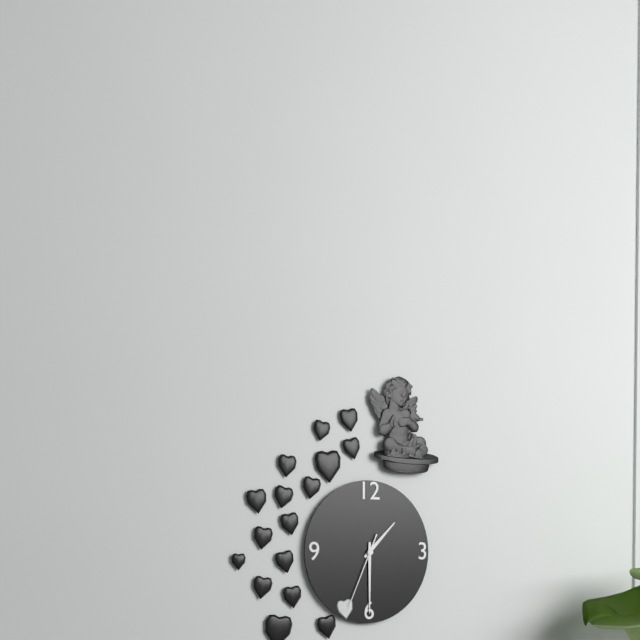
h=1 m=30 s=34
